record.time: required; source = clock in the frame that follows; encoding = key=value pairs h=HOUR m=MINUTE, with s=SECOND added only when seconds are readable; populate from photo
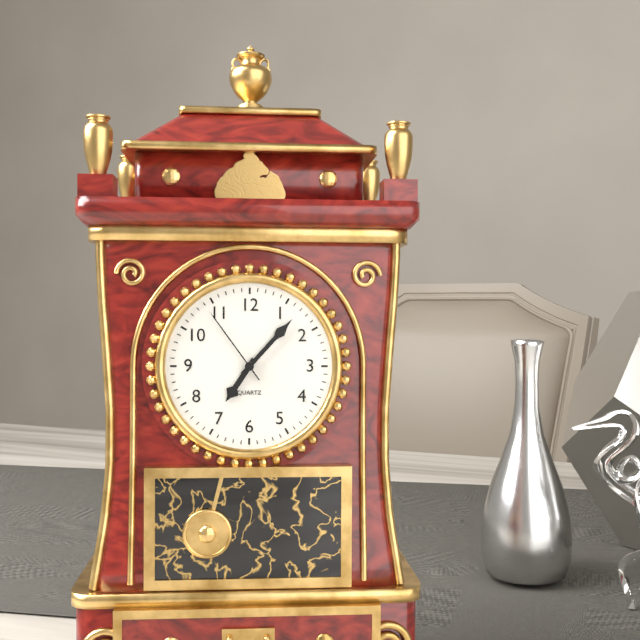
h=7 m=7 s=54
